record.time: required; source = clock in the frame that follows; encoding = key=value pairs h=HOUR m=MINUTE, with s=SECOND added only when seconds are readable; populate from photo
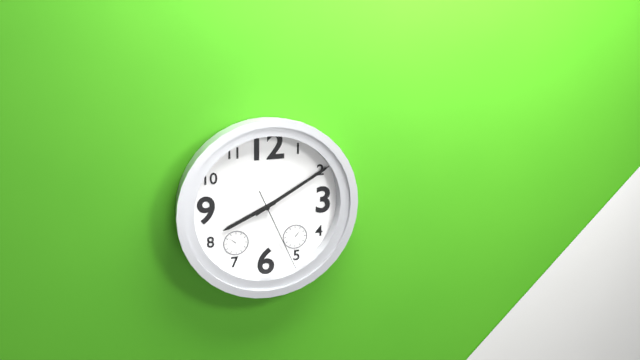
h=8 m=10 s=26
